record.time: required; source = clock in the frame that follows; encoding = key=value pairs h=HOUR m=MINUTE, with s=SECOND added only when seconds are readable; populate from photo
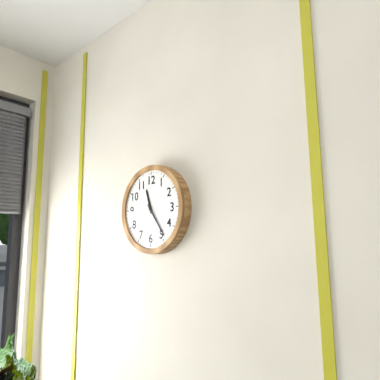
h=11 m=24
